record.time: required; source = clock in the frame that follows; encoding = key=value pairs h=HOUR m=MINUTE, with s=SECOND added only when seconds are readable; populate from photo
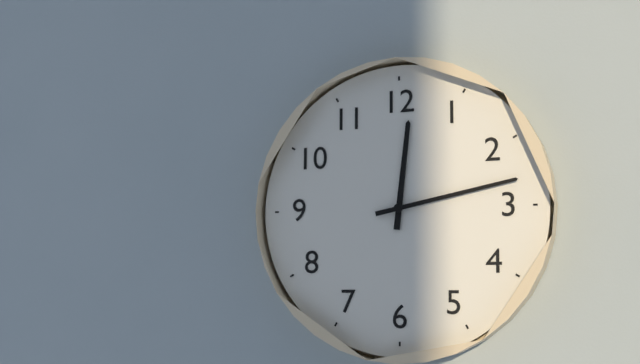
h=12 m=13
